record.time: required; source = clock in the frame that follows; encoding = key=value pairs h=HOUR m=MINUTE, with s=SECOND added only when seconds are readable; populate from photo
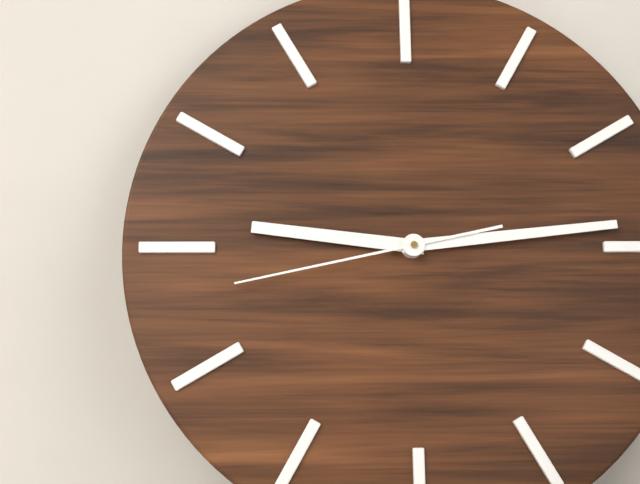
h=9 m=14 s=43
